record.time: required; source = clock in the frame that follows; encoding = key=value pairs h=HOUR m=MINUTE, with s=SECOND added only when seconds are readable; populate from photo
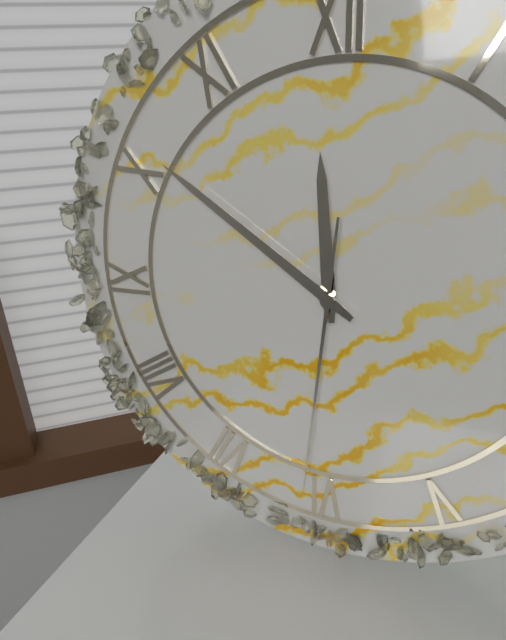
h=11 m=51 s=31
